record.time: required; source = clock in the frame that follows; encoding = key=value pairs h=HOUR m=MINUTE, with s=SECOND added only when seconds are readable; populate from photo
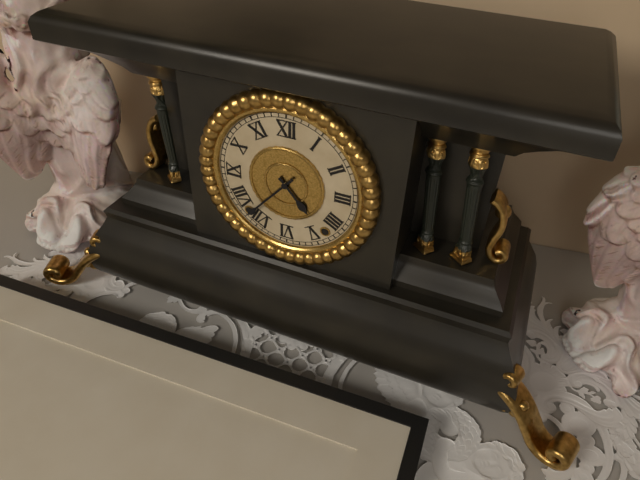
h=4 m=37
